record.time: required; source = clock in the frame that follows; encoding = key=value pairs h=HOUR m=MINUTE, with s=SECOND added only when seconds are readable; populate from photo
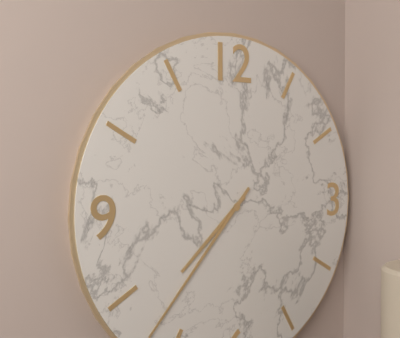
h=7 m=37
